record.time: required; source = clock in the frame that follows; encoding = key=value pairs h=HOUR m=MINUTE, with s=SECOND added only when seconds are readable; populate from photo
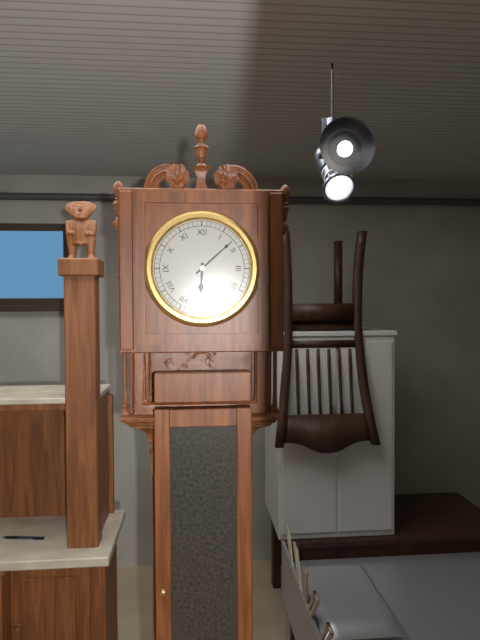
h=6 m=8
